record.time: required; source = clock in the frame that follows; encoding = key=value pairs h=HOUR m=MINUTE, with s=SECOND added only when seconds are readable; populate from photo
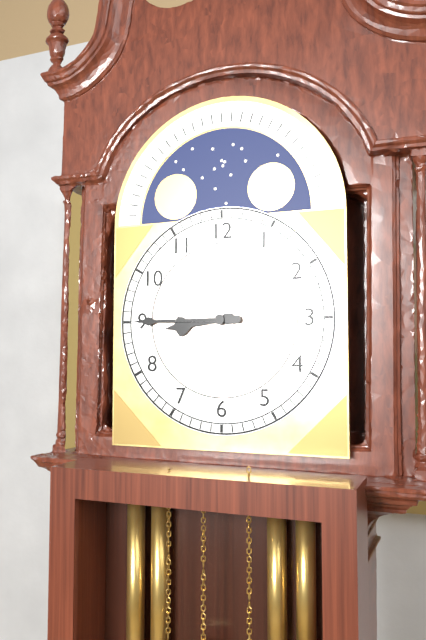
h=8 m=45
